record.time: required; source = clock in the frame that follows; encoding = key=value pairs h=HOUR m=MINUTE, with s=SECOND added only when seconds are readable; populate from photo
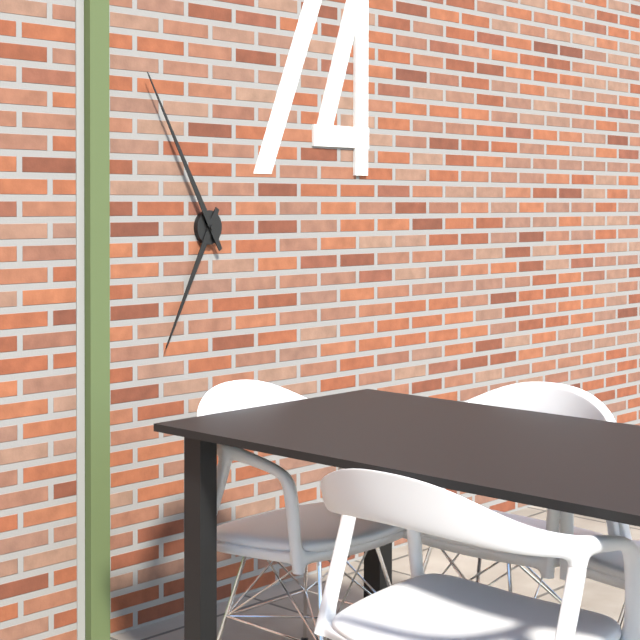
h=6 m=55
